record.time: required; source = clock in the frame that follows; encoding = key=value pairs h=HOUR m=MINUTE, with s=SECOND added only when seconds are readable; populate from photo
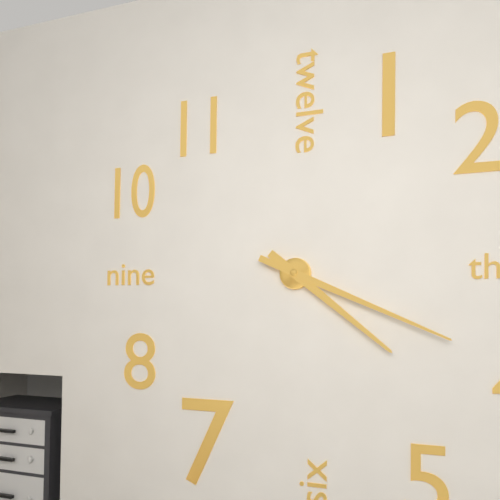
h=4 m=19
